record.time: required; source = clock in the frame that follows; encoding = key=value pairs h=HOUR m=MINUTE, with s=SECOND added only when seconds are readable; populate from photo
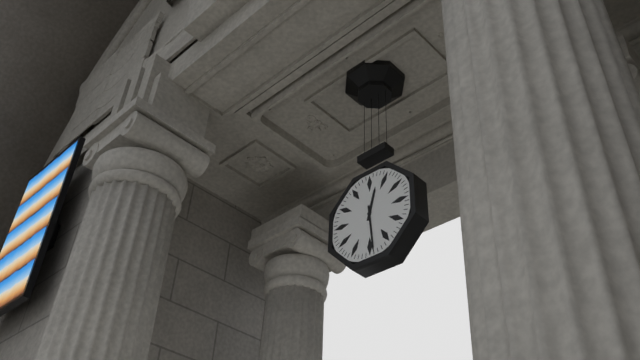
h=12 m=29
